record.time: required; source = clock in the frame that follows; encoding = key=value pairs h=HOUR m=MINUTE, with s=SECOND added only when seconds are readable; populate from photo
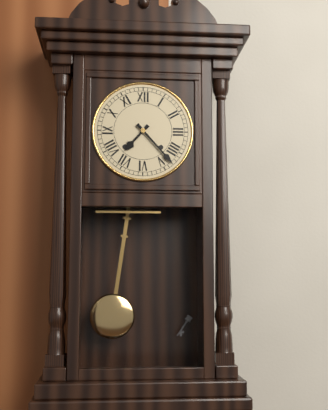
h=7 m=23
